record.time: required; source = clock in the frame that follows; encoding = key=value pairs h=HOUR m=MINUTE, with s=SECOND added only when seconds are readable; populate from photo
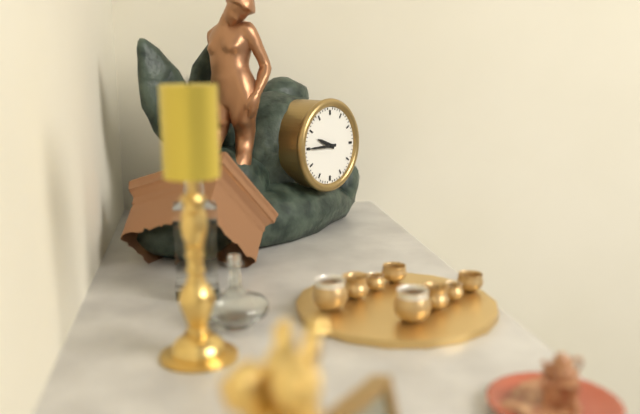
h=9 m=45
